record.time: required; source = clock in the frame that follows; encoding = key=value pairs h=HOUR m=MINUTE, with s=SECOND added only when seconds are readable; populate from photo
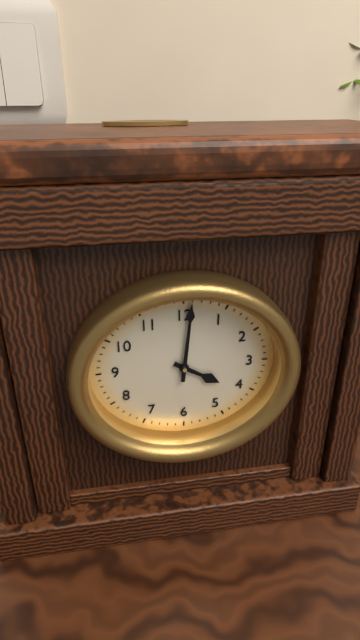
h=4 m=1
